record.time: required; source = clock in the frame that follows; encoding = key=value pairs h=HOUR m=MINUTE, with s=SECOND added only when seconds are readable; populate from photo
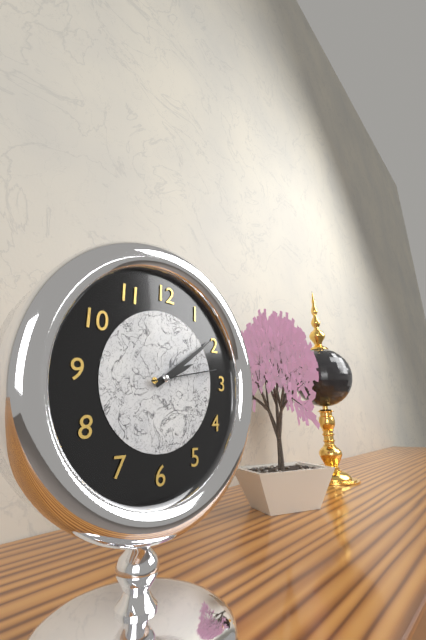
h=2 m=9 s=13
